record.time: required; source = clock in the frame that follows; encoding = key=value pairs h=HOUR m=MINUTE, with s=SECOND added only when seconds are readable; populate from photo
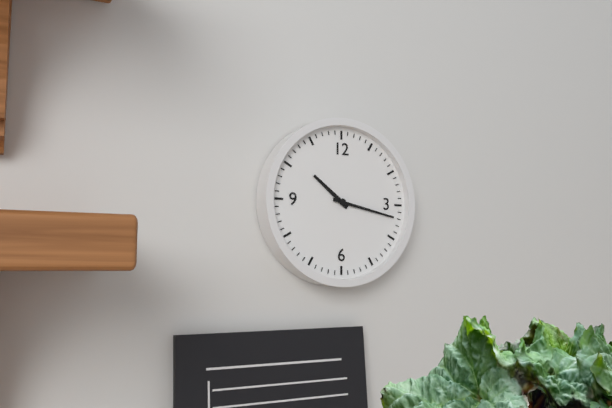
h=10 m=17
